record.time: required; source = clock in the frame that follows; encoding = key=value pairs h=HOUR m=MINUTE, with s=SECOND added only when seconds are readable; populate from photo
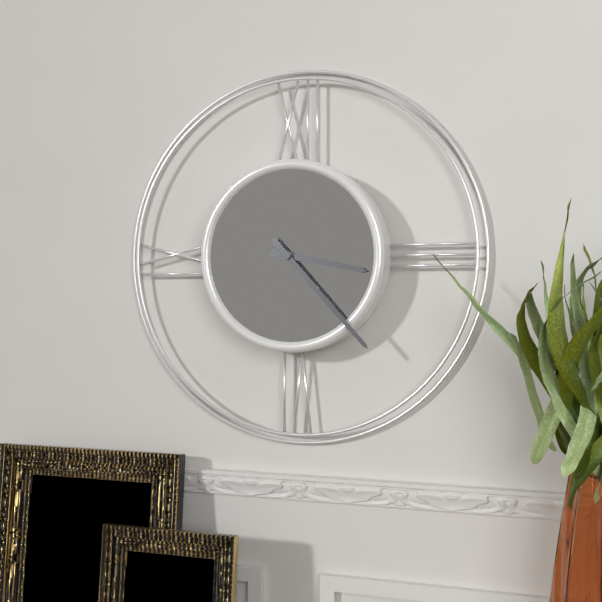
h=3 m=23
